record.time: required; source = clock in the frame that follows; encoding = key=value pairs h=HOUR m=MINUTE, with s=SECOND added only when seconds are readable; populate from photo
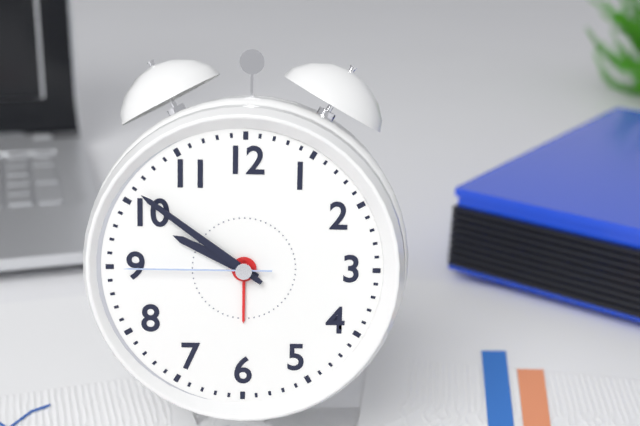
h=9 m=51 s=45
